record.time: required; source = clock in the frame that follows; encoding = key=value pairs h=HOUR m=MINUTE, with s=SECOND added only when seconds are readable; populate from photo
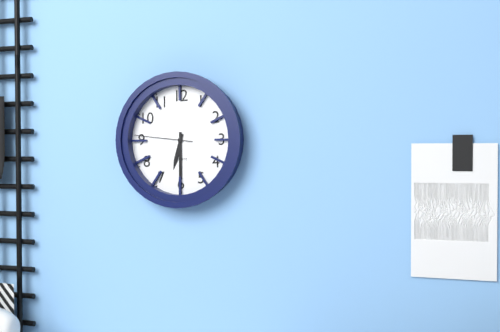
h=6 m=30 s=46
